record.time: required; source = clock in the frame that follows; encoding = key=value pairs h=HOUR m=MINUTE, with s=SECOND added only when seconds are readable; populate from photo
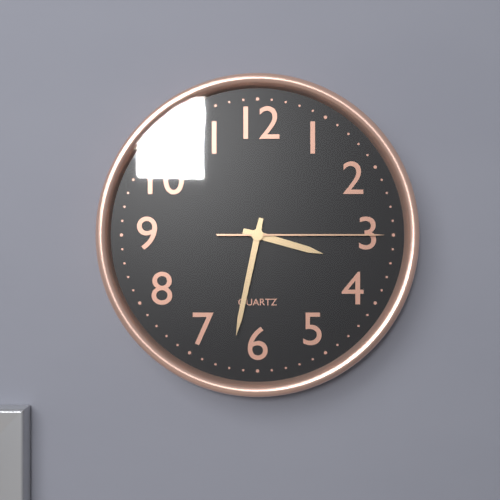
h=3 m=32 s=15
